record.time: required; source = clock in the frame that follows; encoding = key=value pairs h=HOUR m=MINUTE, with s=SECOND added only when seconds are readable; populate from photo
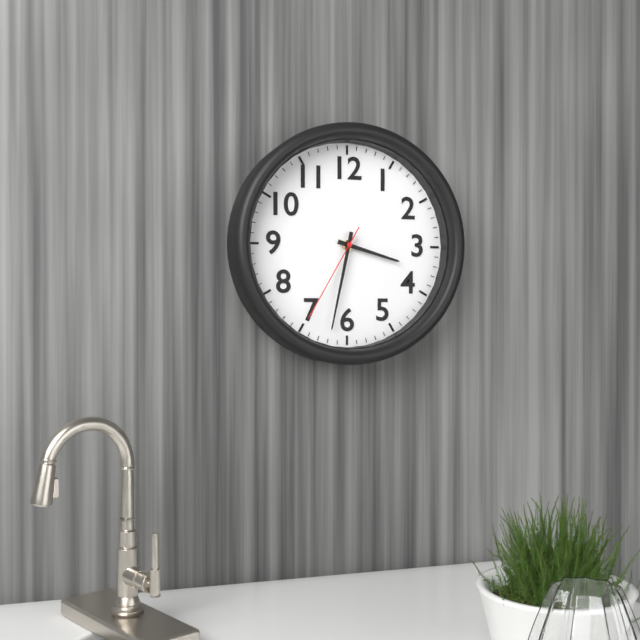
h=3 m=32 s=35
